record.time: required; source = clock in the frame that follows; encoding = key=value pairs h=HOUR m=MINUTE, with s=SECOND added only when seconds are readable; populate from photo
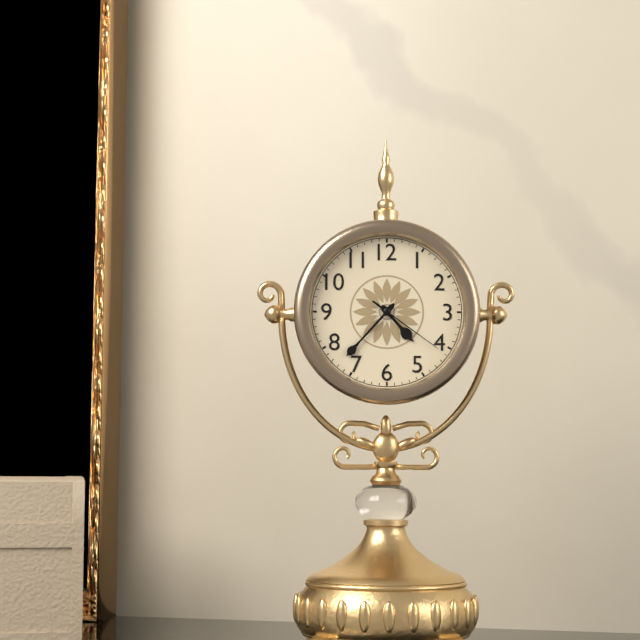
h=4 m=37 s=21
